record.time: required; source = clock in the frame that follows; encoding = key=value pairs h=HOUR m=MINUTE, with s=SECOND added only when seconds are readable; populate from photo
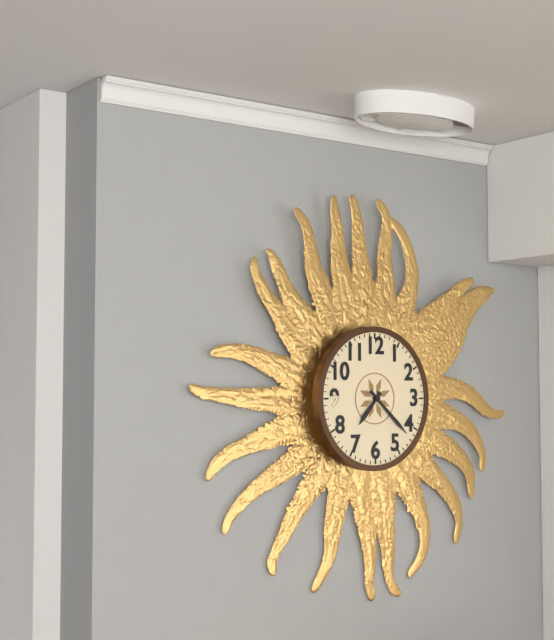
h=7 m=22
